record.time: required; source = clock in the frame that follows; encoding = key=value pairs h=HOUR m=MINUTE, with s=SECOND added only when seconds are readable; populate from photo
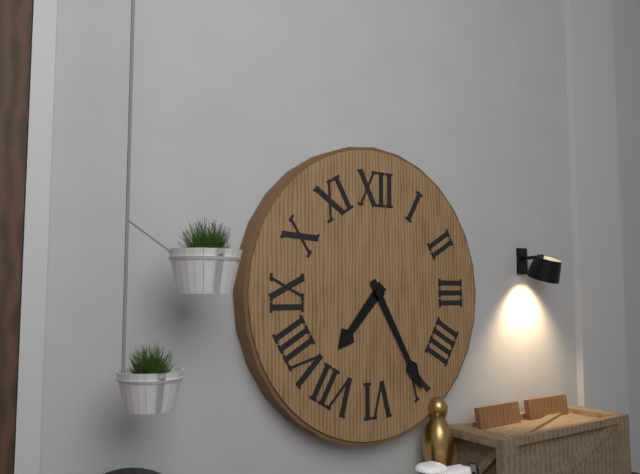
h=7 m=25
